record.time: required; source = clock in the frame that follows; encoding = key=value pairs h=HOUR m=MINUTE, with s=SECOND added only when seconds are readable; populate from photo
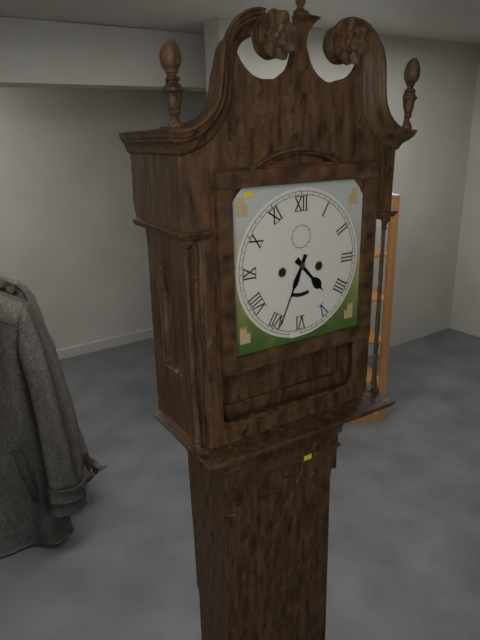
h=4 m=34
